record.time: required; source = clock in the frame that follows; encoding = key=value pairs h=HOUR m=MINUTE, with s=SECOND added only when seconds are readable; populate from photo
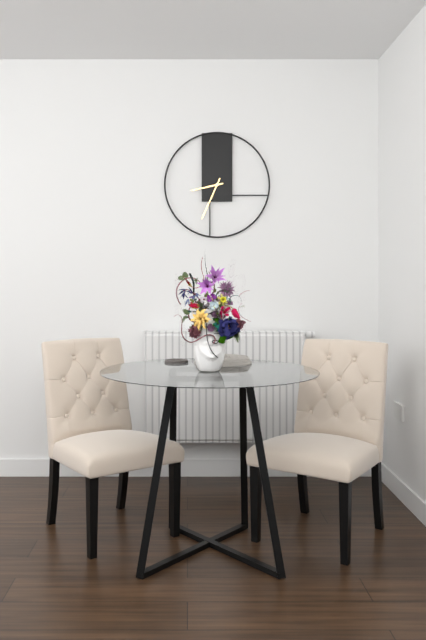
h=8 m=34
